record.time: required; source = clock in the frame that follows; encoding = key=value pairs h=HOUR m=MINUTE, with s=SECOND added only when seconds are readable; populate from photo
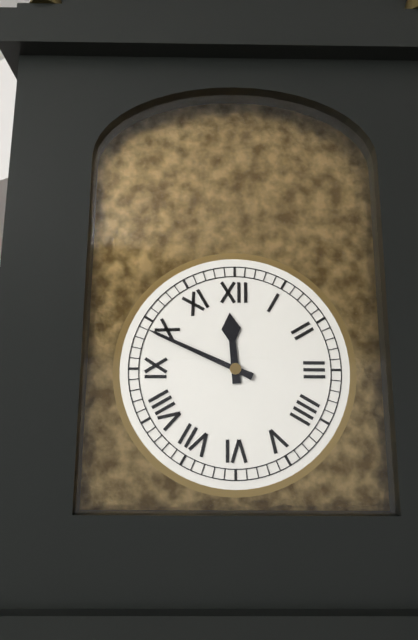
h=11 m=49
